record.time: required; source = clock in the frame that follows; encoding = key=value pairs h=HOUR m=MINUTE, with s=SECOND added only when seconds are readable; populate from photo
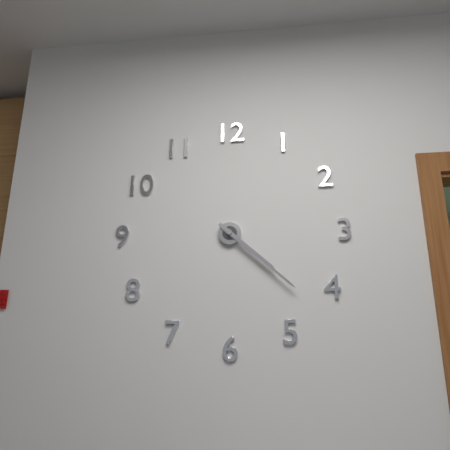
h=4 m=22
